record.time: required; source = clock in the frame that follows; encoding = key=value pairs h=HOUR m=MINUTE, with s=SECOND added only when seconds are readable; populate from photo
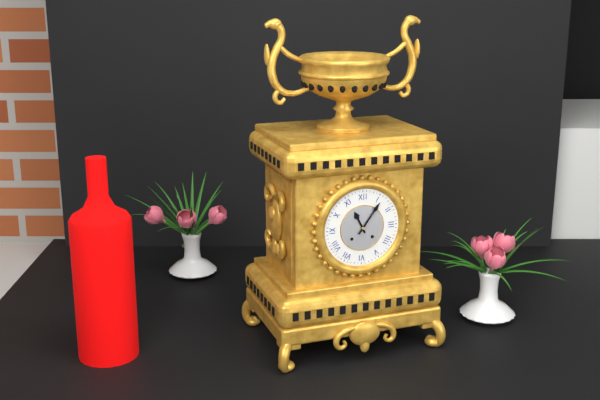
h=11 m=6
